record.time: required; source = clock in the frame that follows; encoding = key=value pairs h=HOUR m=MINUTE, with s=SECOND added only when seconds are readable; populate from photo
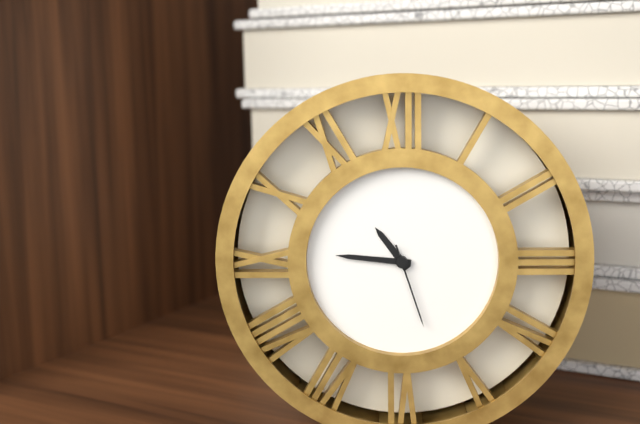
h=10 m=46 s=27
